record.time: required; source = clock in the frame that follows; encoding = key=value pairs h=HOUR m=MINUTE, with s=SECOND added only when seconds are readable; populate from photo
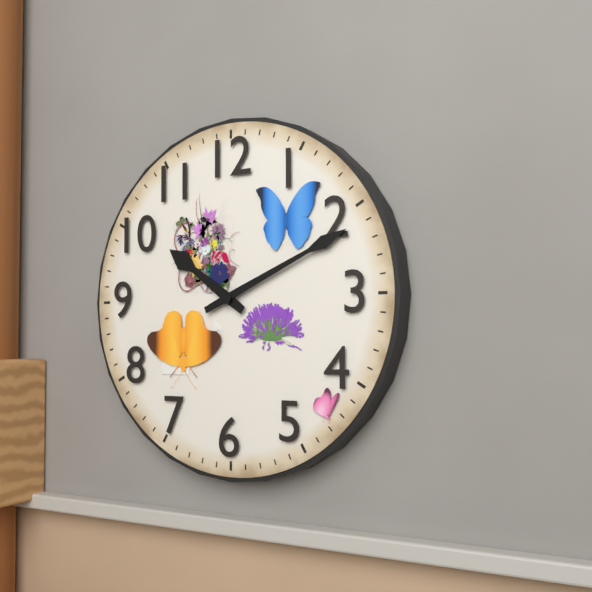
h=10 m=11
